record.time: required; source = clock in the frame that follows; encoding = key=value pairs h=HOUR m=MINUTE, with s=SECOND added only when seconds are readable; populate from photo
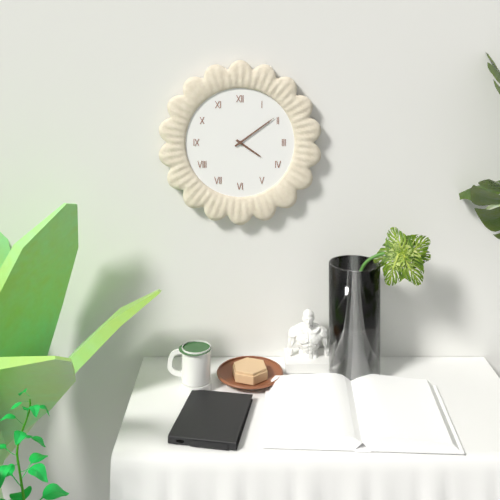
h=4 m=9
